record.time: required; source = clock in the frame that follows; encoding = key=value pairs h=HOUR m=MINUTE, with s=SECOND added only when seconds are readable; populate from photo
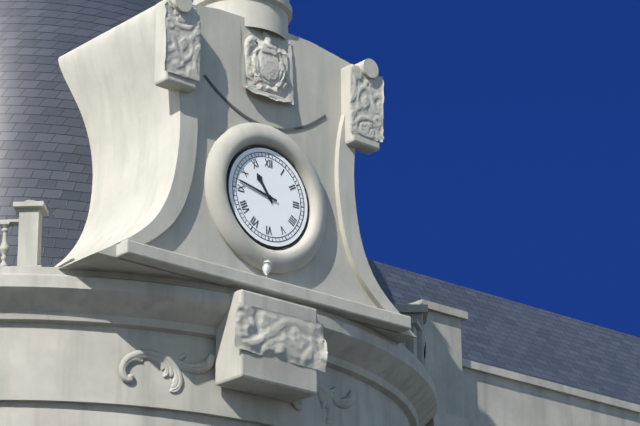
h=10 m=47
